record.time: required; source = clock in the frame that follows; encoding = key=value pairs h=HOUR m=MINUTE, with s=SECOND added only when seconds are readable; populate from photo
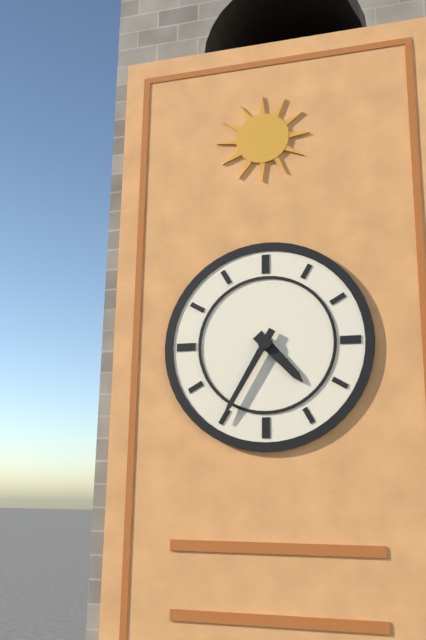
h=4 m=35
